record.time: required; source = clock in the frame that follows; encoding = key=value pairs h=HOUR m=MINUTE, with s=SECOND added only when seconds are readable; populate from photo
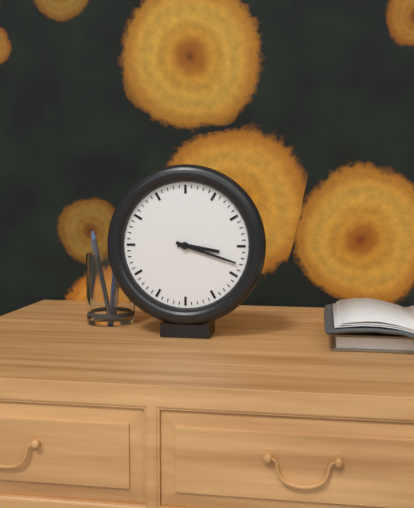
h=3 m=18
